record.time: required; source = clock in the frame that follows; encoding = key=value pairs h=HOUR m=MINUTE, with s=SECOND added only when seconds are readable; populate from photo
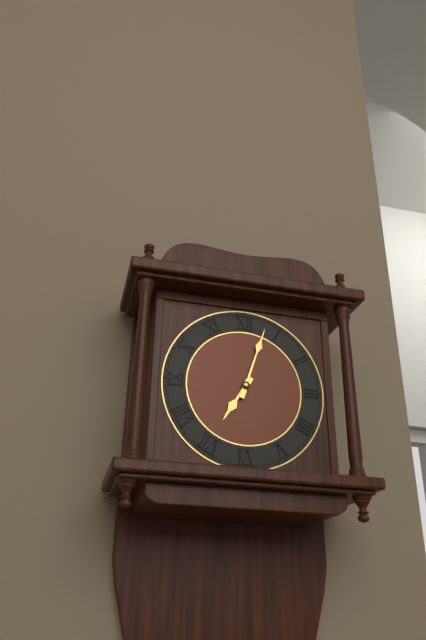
h=7 m=3
